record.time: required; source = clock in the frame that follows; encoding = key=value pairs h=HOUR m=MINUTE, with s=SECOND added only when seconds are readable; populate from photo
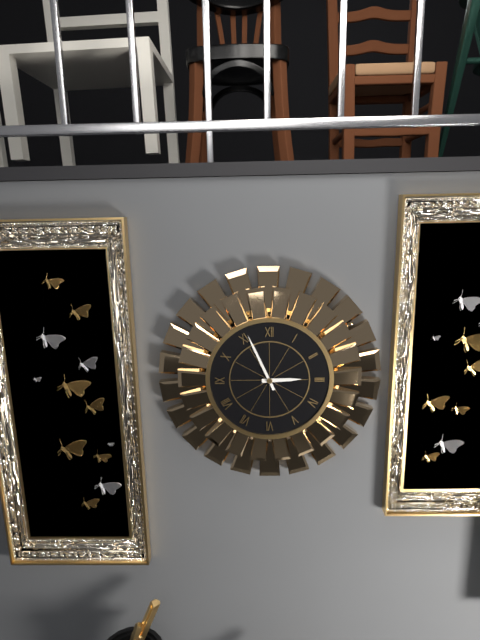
h=2 m=56
